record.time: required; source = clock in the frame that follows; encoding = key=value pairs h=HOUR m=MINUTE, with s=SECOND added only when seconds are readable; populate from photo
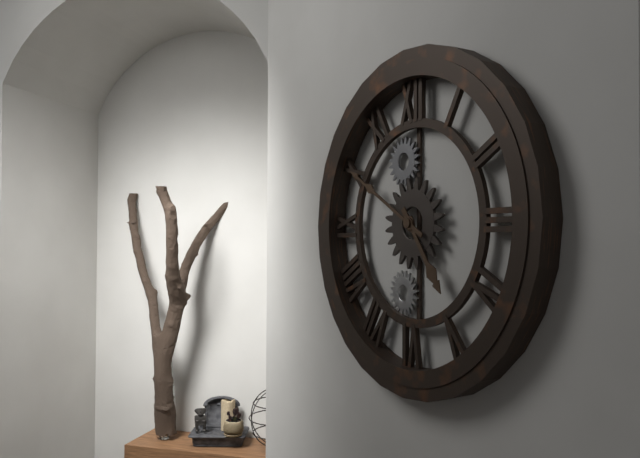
h=4 m=50
